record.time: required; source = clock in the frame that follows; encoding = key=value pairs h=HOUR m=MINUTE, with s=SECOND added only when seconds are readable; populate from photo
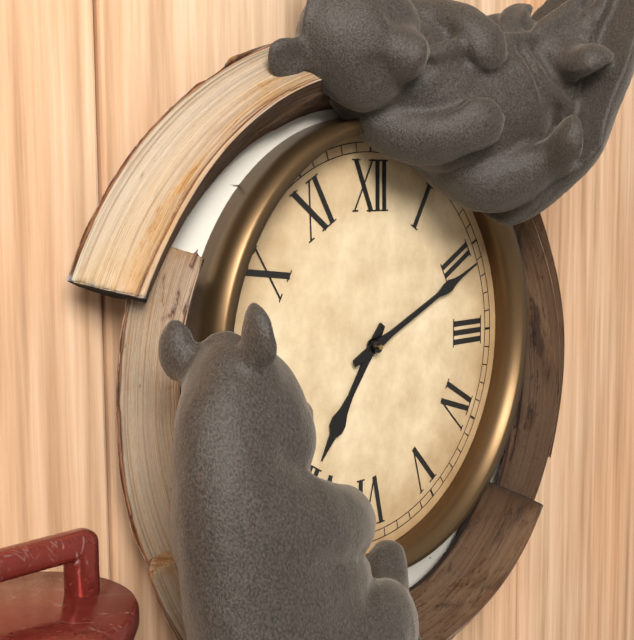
h=7 m=11
